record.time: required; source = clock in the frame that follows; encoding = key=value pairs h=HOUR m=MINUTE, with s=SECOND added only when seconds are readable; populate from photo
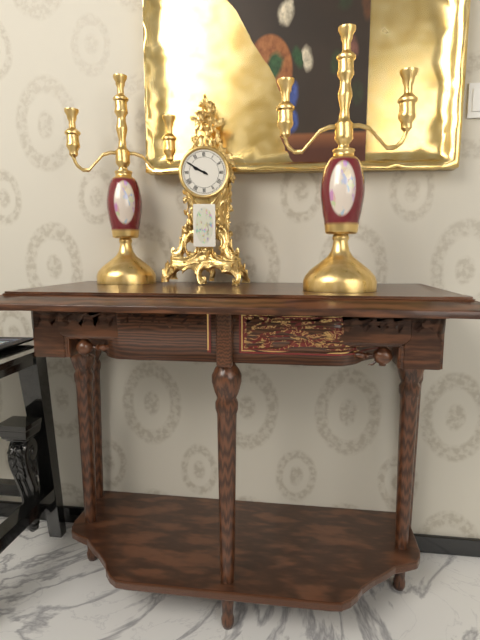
h=9 m=50
